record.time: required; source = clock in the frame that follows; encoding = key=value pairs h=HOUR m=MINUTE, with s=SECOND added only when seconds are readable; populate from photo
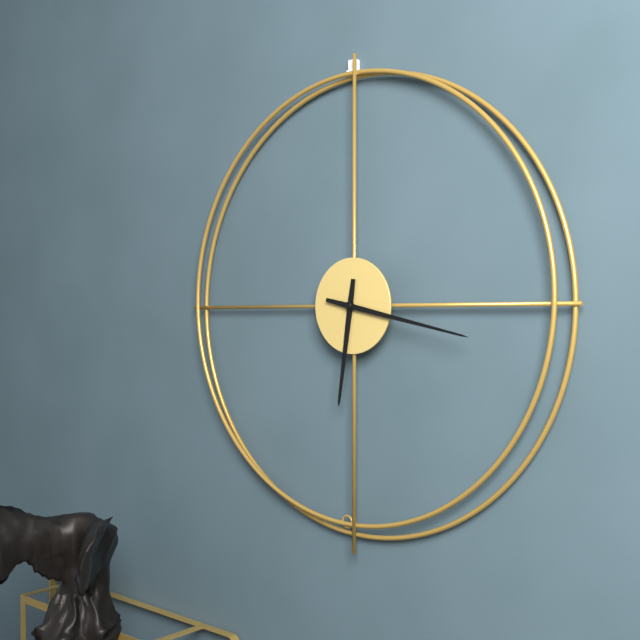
h=6 m=17
